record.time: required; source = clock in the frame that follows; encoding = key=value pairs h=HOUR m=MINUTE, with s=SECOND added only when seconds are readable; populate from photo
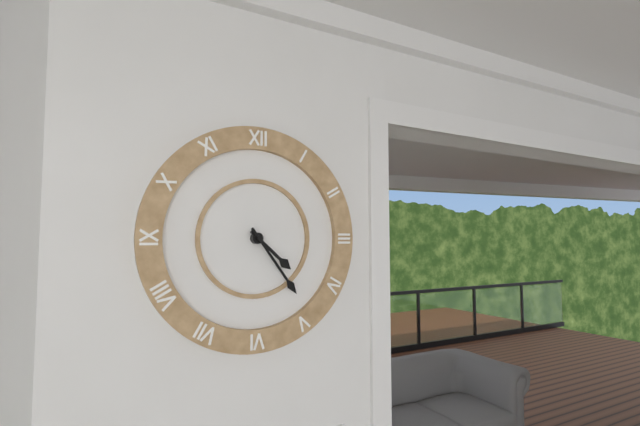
h=4 m=24
